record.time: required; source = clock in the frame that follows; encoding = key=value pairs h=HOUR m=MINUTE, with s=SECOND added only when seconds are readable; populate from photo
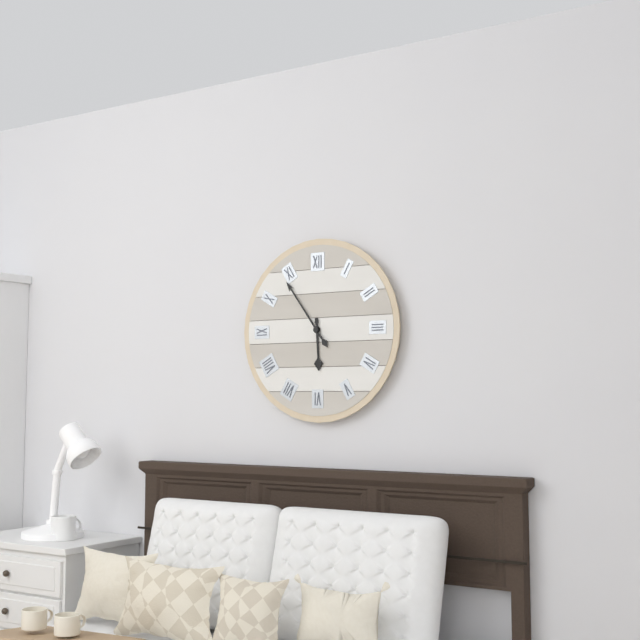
h=5 m=54
